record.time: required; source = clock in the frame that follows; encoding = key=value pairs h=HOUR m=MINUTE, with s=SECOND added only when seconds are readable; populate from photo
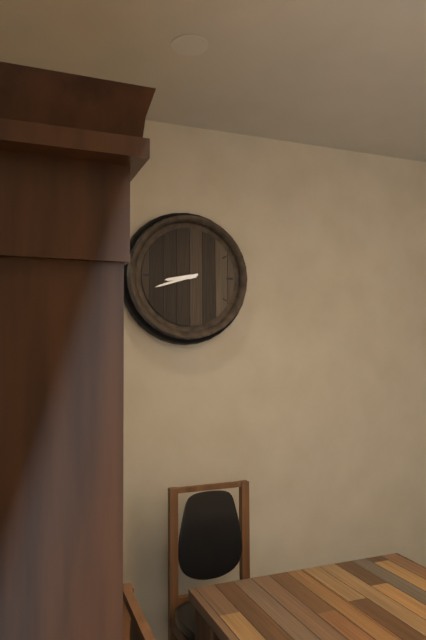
h=8 m=42
